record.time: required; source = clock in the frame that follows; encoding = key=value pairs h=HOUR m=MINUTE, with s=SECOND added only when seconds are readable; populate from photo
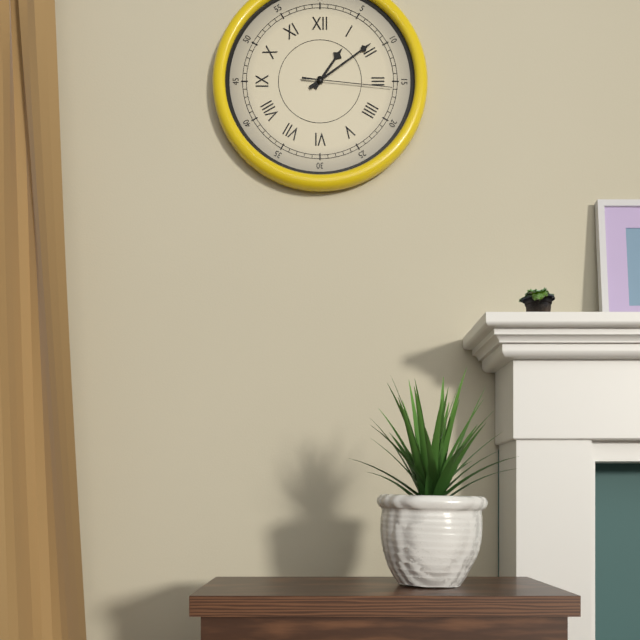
h=1 m=9 s=16
